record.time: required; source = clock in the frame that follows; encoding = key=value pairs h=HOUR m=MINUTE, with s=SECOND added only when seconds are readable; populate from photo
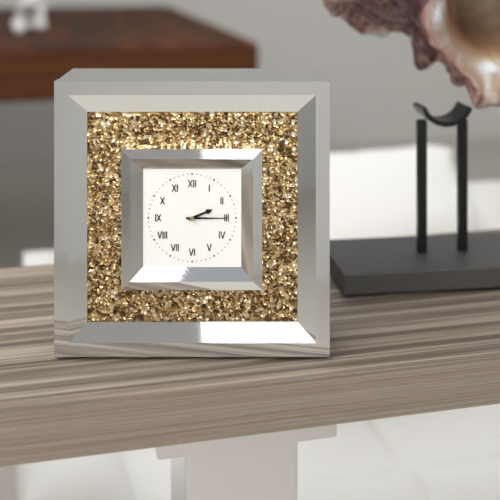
h=2 m=15
